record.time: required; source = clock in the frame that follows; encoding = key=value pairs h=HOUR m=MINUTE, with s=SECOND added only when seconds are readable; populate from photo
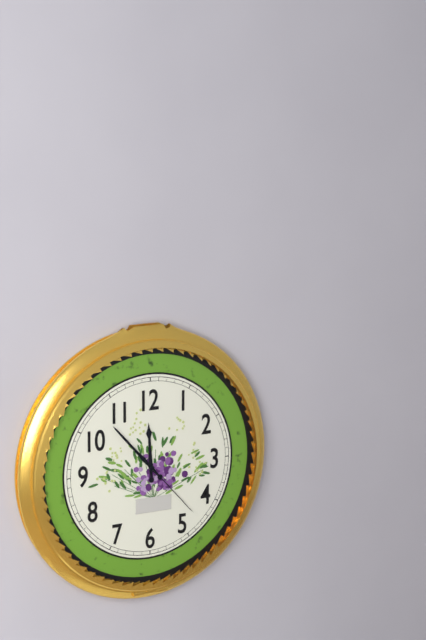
h=11 m=53 s=23
